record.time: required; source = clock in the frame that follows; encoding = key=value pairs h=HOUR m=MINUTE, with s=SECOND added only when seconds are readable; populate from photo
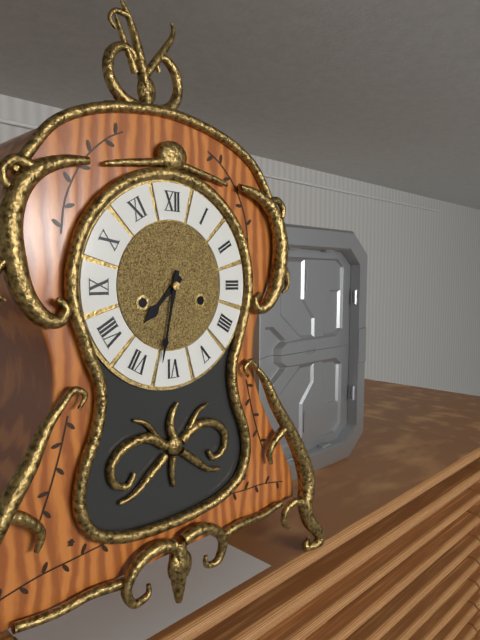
h=7 m=32
